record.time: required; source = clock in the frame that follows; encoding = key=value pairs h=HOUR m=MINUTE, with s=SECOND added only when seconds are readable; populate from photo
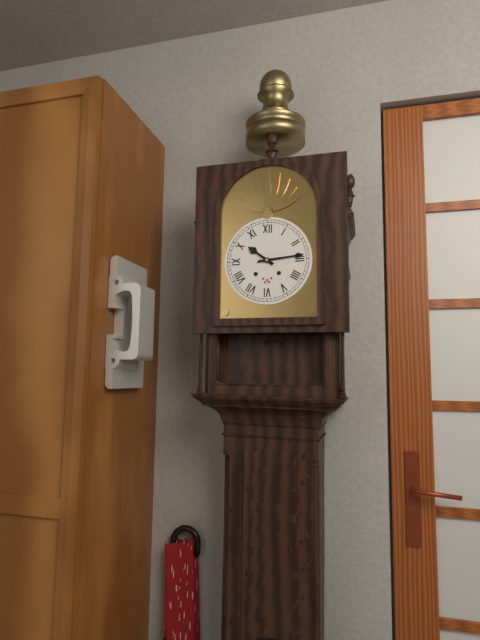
h=10 m=14
